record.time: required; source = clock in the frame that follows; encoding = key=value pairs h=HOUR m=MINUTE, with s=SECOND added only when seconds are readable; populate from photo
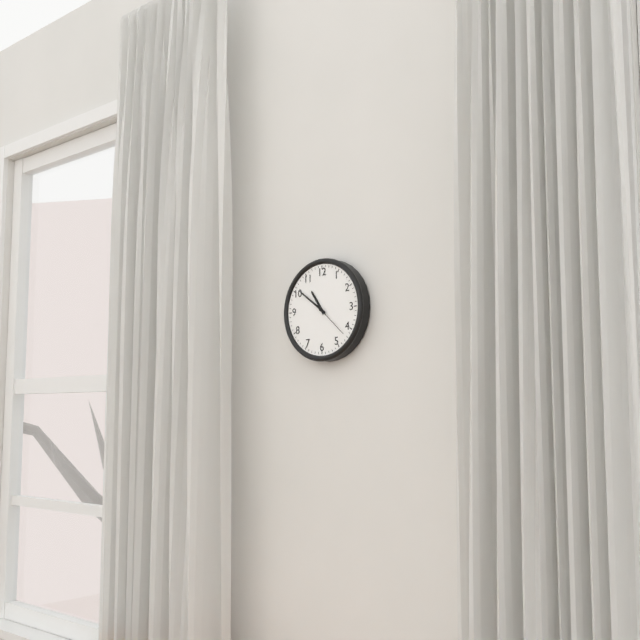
h=10 m=51
